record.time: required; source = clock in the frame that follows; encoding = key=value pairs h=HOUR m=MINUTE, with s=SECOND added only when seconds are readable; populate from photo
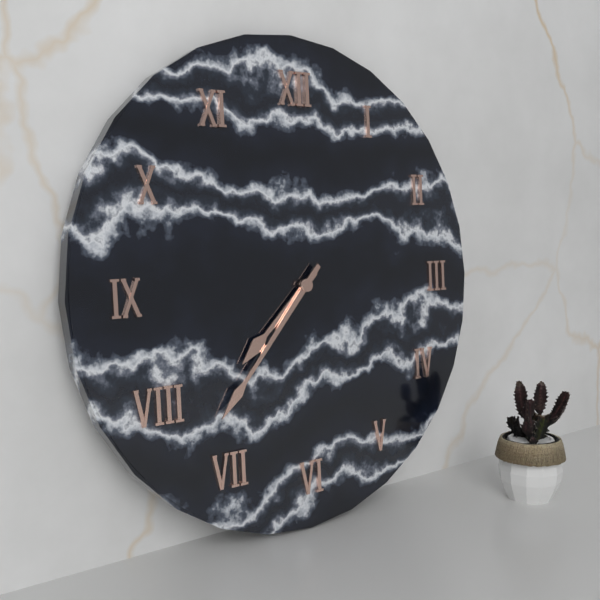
h=7 m=37
